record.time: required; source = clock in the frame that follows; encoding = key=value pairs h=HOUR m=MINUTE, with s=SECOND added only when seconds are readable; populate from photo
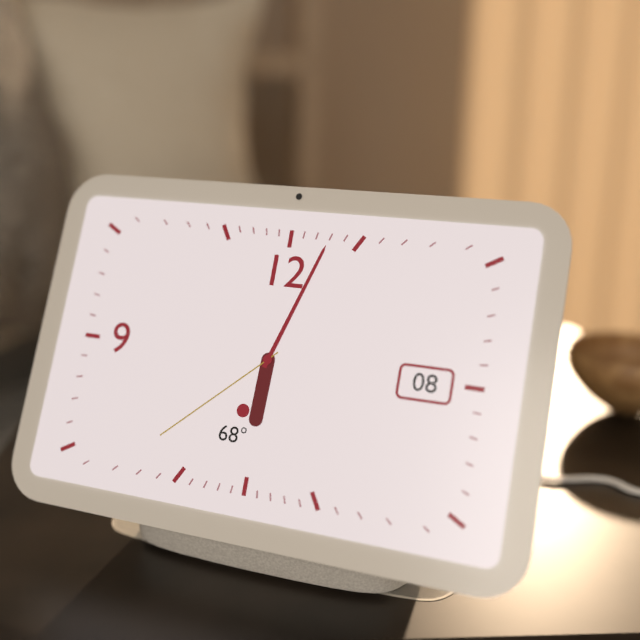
h=6 m=3 s=38
